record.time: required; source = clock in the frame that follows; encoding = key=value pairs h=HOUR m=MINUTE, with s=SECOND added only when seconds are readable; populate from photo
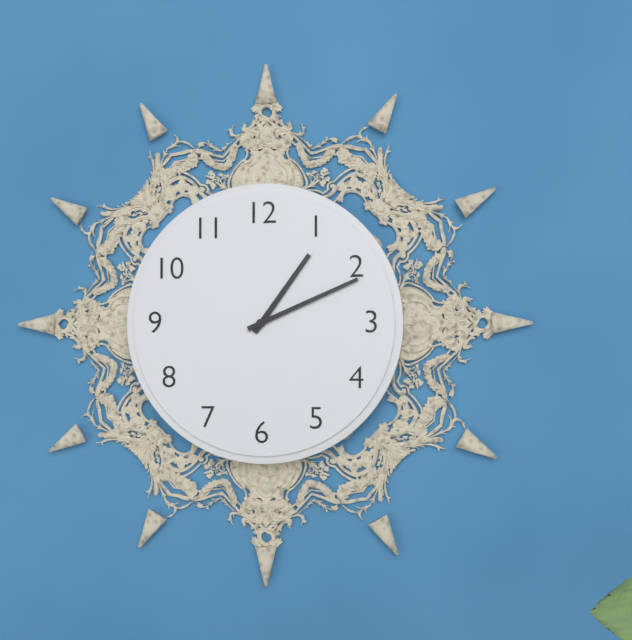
h=1 m=11
